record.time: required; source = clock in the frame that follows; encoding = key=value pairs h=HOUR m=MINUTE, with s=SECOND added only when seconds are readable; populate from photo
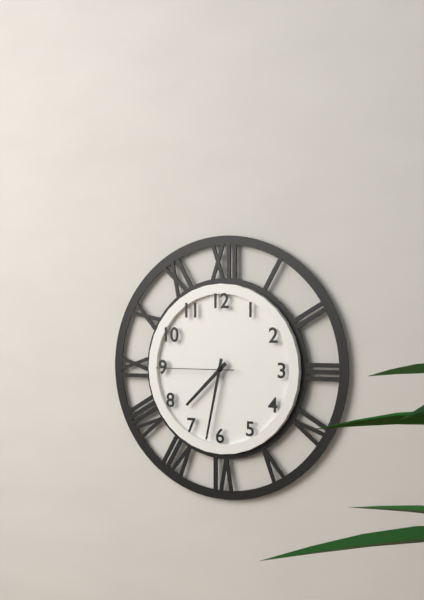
h=7 m=32 s=45
